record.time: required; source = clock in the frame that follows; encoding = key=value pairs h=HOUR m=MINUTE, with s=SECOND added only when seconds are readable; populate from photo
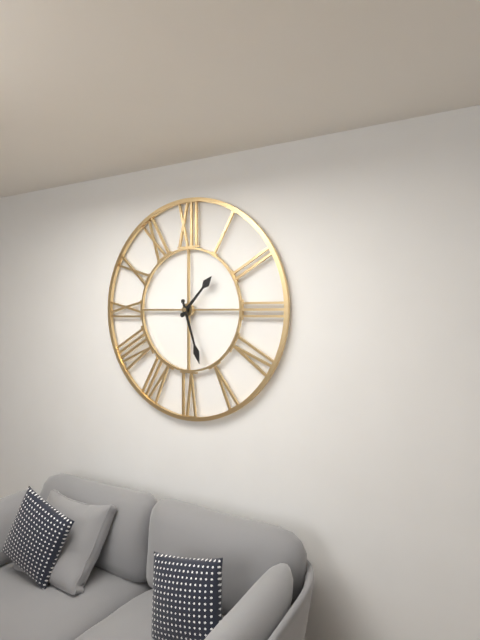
h=1 m=27
